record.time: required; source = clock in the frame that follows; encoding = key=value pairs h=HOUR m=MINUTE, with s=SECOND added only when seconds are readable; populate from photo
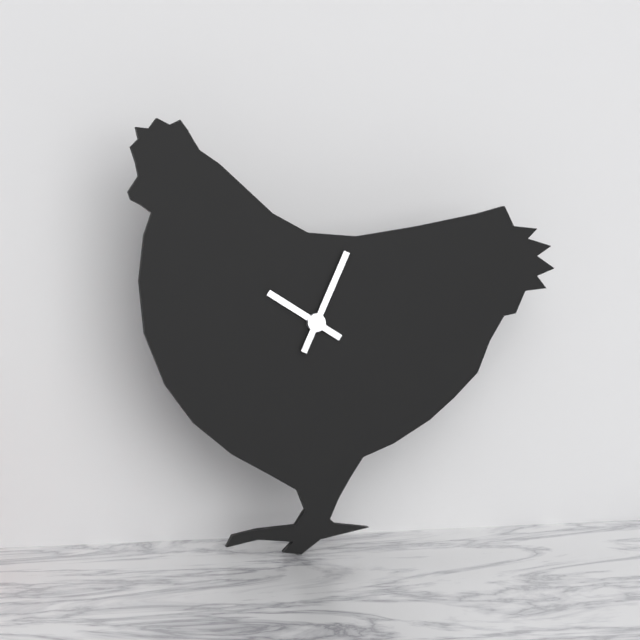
h=10 m=4
